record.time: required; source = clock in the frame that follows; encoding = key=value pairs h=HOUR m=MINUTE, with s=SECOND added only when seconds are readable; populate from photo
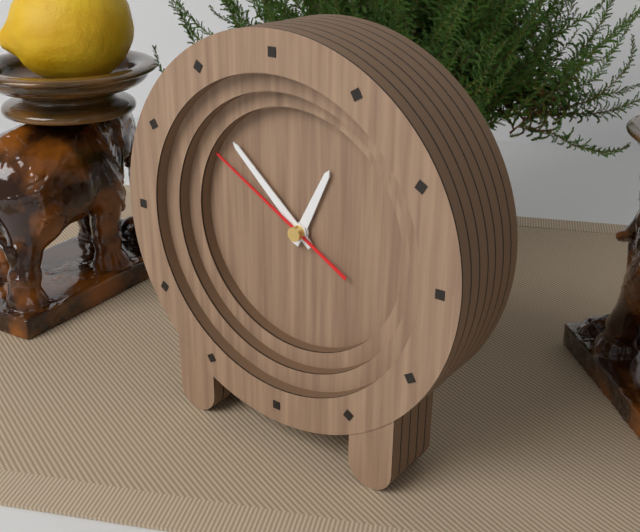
h=12 m=52 s=50
